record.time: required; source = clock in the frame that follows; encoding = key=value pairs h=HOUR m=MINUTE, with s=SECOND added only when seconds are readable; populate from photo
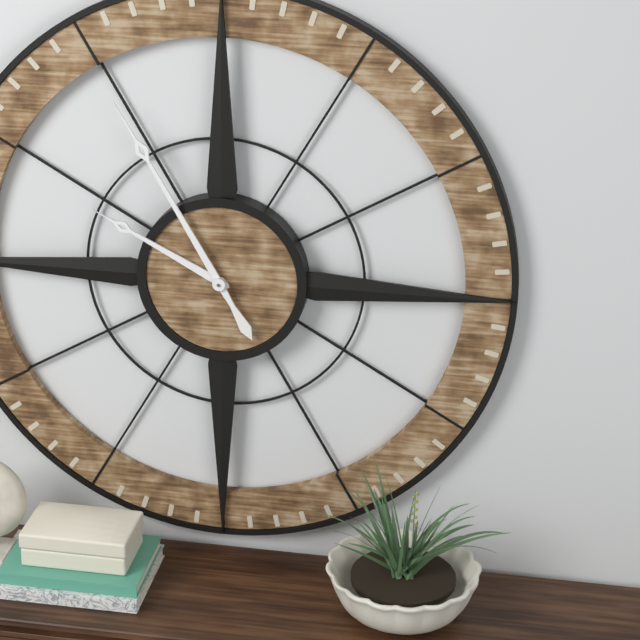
h=9 m=55
